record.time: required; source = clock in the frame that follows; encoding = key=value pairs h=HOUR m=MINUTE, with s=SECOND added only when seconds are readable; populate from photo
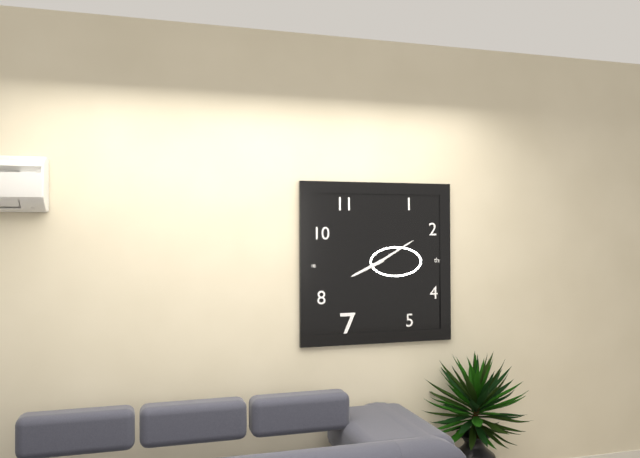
h=8 m=10
